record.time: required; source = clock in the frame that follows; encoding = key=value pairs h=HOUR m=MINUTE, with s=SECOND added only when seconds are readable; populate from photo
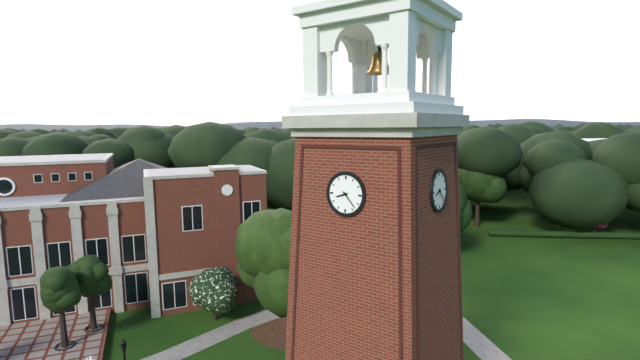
h=8 m=23
